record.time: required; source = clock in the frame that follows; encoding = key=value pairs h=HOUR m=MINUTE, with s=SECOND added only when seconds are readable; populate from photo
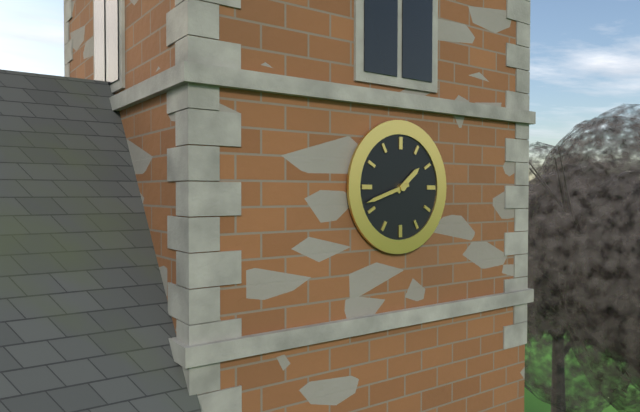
h=1 m=42
